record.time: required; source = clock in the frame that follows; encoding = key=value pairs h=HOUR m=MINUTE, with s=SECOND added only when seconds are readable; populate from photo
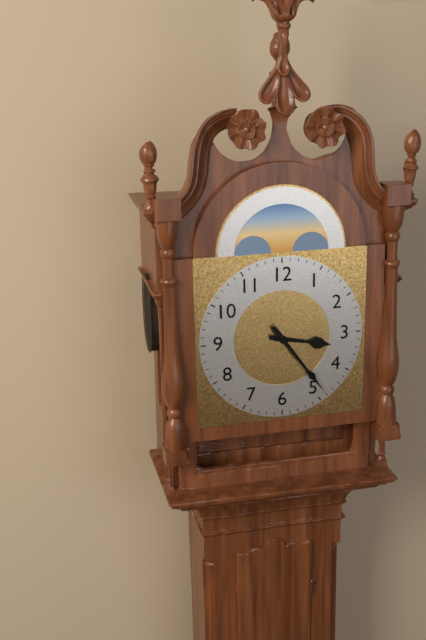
h=3 m=24
